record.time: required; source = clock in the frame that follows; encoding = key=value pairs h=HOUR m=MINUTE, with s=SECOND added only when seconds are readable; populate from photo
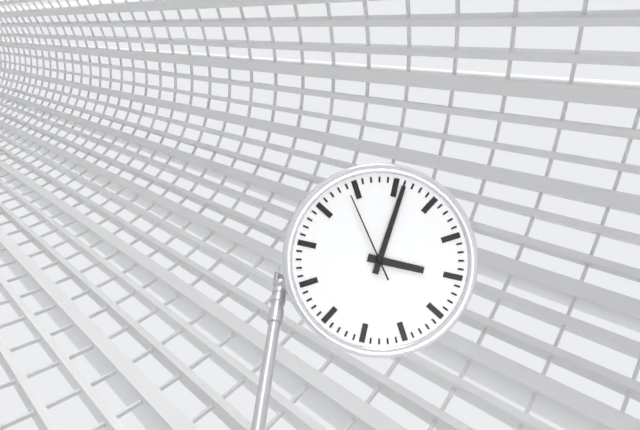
h=3 m=1 s=54
